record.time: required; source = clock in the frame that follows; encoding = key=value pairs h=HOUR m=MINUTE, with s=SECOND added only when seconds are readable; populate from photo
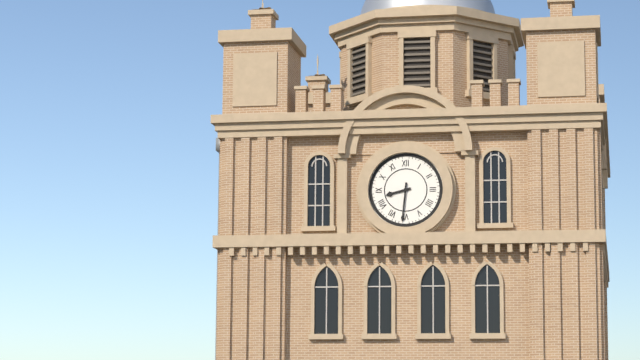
h=8 m=31
